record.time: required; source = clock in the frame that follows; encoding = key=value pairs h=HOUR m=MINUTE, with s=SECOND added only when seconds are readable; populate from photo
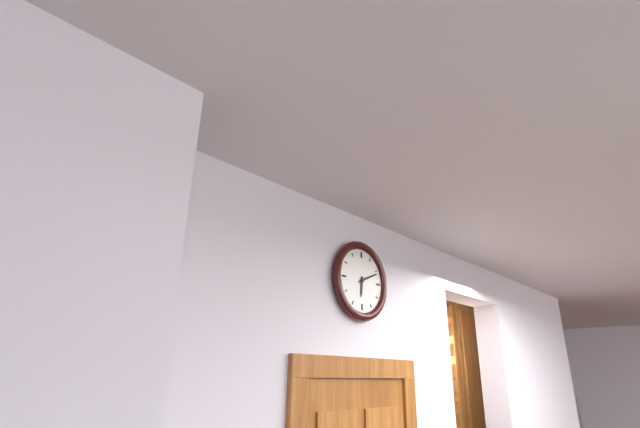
h=6 m=11
